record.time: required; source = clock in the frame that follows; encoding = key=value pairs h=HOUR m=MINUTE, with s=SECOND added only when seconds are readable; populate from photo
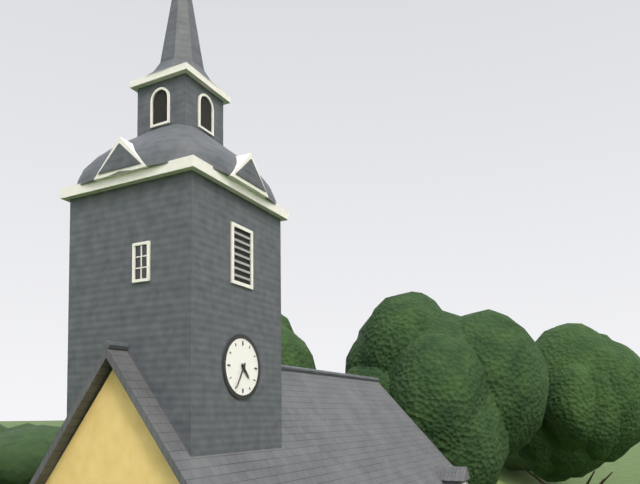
h=4 m=35
